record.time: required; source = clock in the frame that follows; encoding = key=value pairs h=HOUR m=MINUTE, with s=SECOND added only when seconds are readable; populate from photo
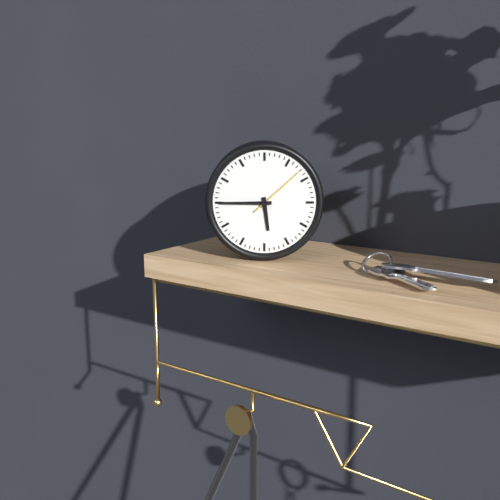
h=5 m=45 s=8
